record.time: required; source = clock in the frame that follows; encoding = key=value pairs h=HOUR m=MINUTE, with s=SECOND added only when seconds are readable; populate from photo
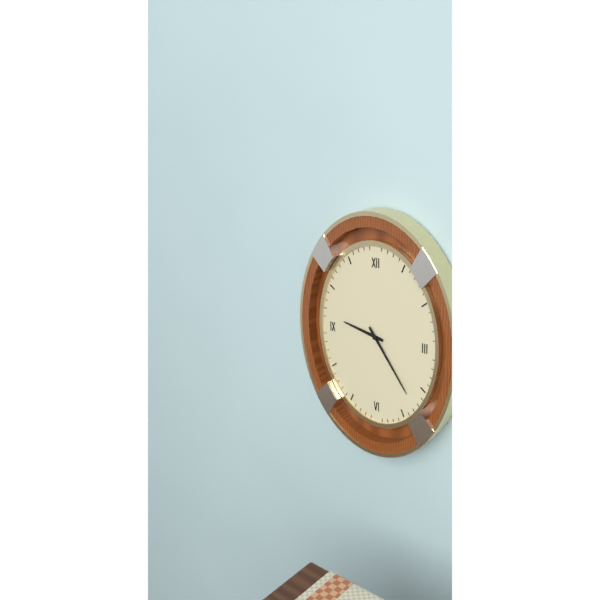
h=9 m=24
